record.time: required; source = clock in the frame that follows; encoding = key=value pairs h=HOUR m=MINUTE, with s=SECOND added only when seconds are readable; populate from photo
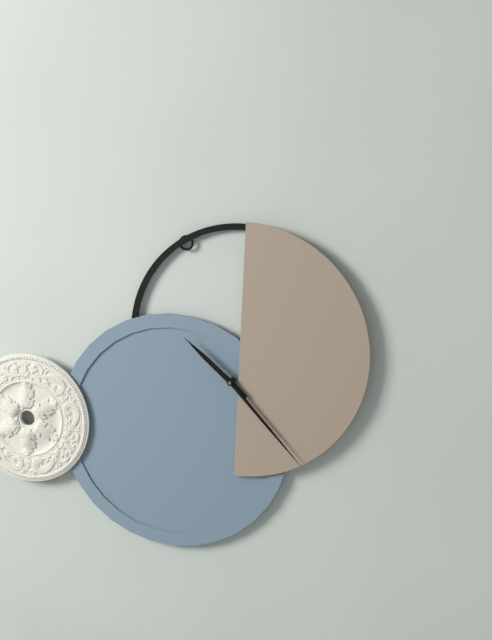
h=10 m=23
